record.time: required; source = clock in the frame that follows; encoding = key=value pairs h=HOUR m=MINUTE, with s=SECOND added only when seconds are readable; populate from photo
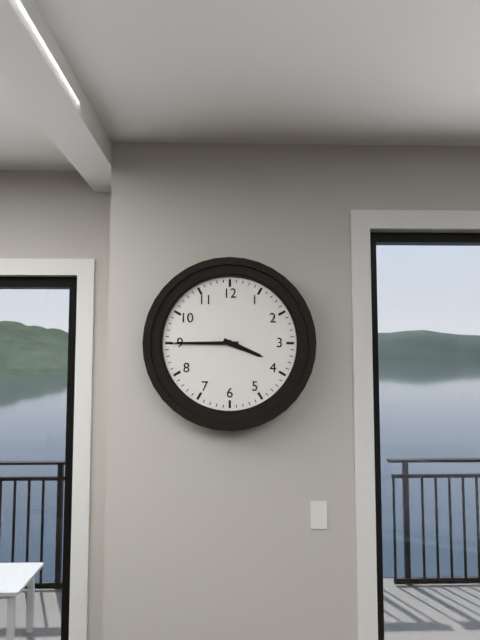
h=3 m=45
